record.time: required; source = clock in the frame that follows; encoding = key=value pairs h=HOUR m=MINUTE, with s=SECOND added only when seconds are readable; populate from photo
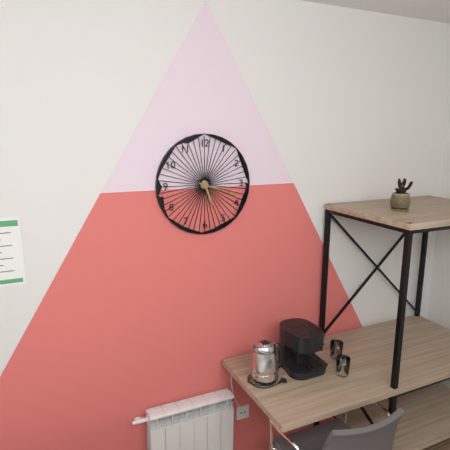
h=5 m=18
